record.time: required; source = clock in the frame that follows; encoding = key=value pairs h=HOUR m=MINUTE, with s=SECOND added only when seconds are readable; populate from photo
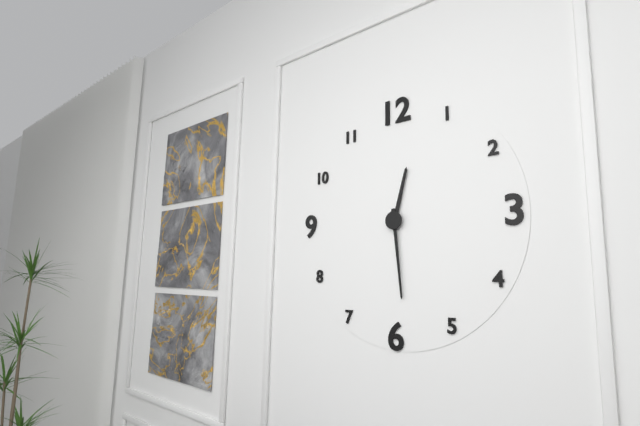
h=12 m=29
